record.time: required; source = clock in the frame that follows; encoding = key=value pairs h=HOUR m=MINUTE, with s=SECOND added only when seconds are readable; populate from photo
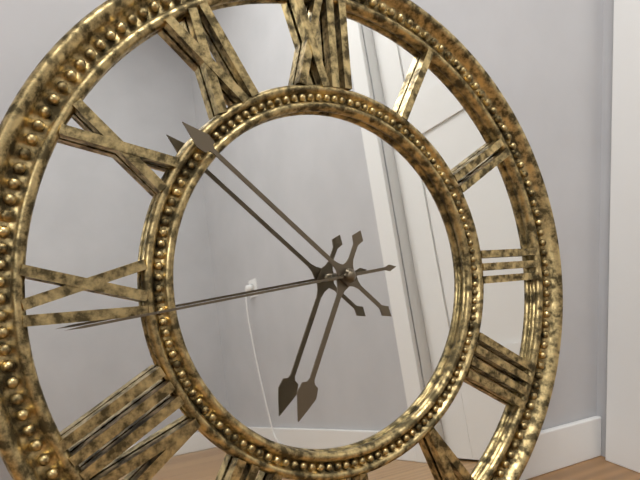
h=6 m=52 s=44
